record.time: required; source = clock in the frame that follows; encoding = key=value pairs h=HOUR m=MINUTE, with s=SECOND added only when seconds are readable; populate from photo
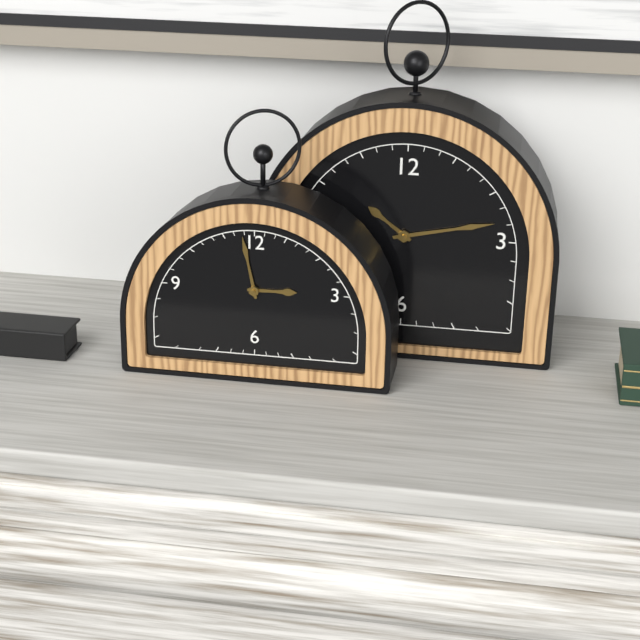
h=2 m=58
